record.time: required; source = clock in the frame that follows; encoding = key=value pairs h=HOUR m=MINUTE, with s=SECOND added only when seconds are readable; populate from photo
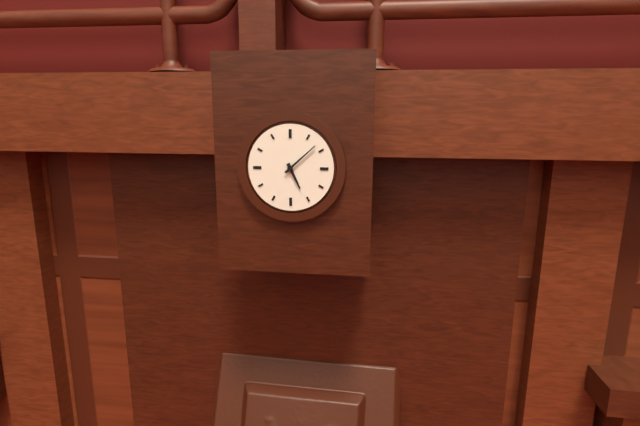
h=5 m=8
